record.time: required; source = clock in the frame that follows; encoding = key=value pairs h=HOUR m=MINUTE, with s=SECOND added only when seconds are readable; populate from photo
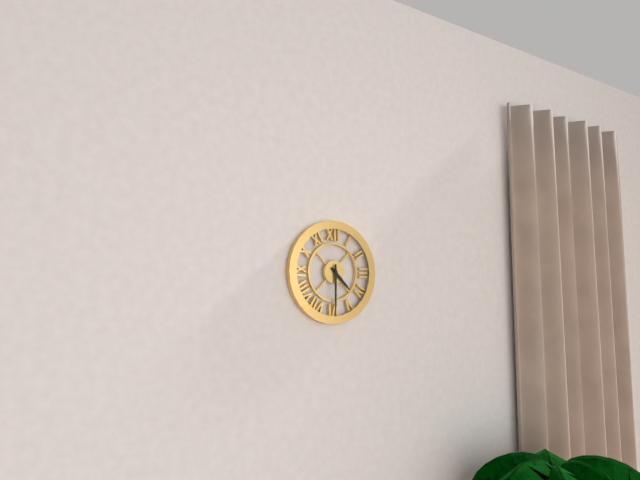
h=4 m=30
